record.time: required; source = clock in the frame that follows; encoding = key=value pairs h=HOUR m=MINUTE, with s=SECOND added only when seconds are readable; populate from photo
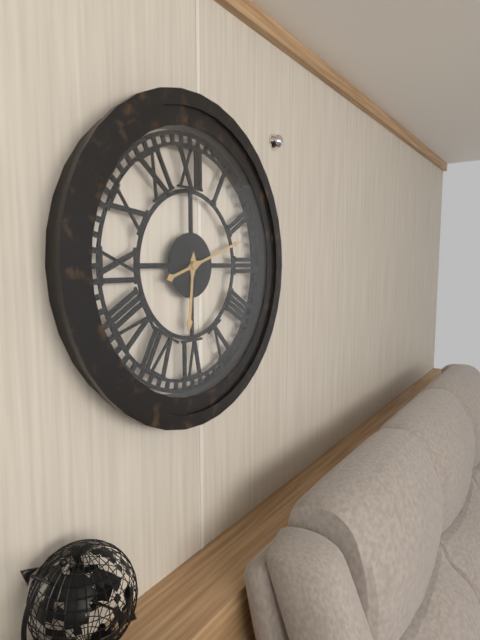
h=6 m=12
